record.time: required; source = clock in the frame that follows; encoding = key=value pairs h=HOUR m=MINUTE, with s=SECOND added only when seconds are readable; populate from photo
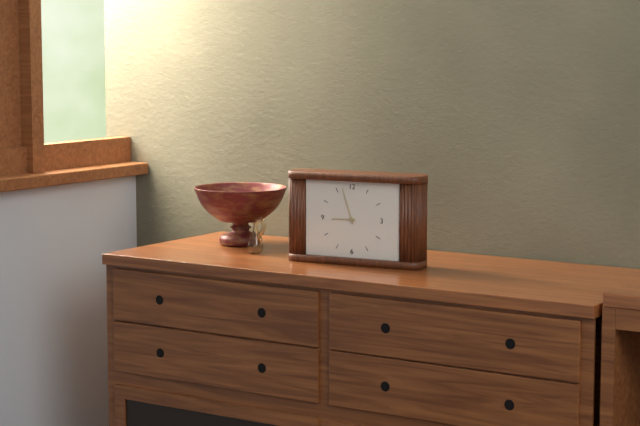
h=8 m=57
